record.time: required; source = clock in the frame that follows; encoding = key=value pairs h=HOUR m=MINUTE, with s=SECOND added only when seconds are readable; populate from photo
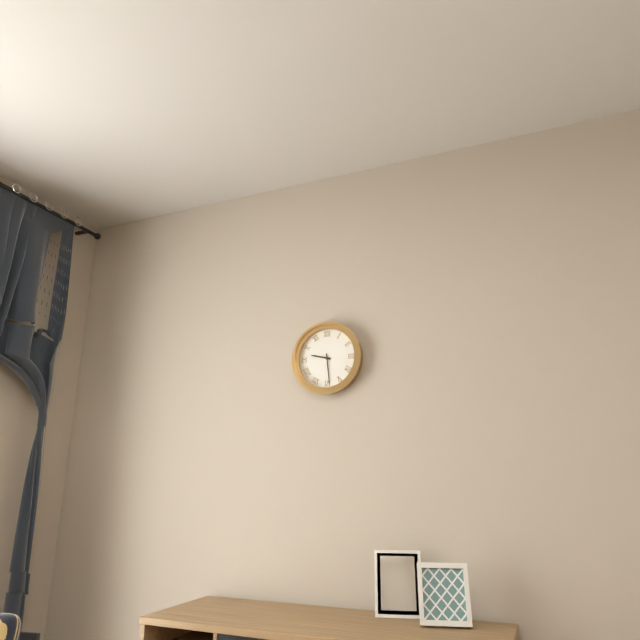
h=9 m=29
